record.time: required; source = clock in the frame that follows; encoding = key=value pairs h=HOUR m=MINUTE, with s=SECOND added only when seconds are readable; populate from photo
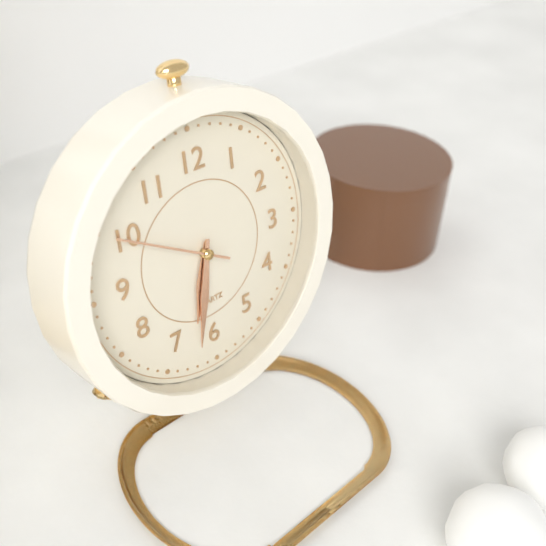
h=6 m=32 s=50
